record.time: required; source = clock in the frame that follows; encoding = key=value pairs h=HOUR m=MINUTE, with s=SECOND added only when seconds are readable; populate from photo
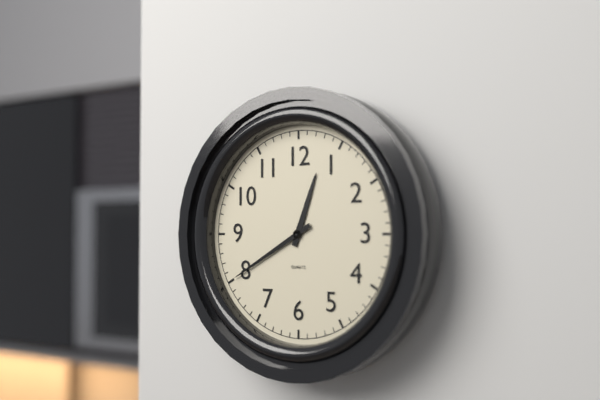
h=12 m=40
